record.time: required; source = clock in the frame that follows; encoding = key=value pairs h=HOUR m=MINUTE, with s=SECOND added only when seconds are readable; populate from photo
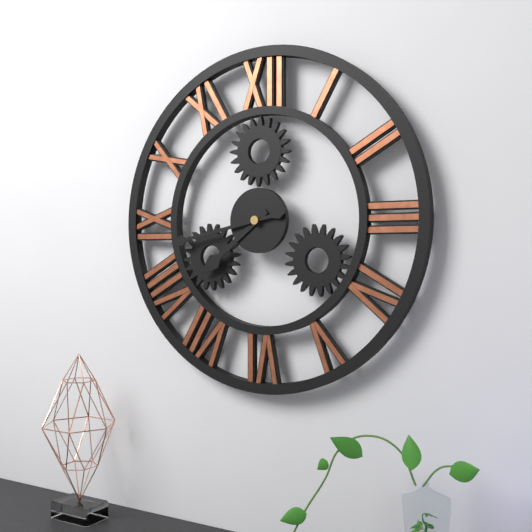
h=7 m=43
